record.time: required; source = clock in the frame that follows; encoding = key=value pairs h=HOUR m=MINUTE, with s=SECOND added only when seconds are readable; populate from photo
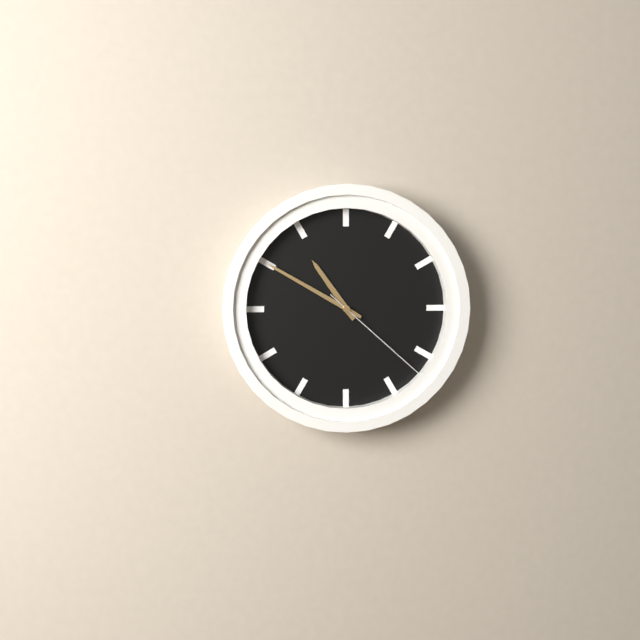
h=10 m=50 s=22
